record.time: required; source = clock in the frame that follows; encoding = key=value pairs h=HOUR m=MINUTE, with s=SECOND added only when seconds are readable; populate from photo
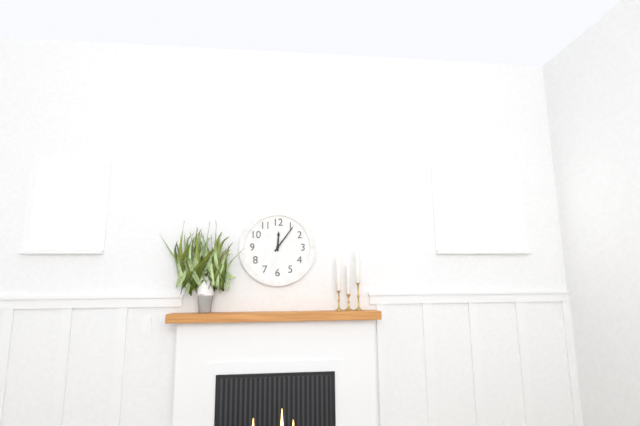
h=12 m=6
